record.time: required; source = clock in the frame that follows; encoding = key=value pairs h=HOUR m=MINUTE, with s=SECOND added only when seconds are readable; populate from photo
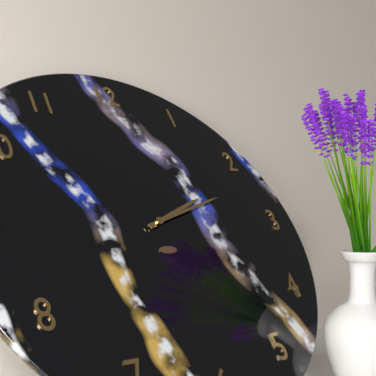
h=2 m=12
